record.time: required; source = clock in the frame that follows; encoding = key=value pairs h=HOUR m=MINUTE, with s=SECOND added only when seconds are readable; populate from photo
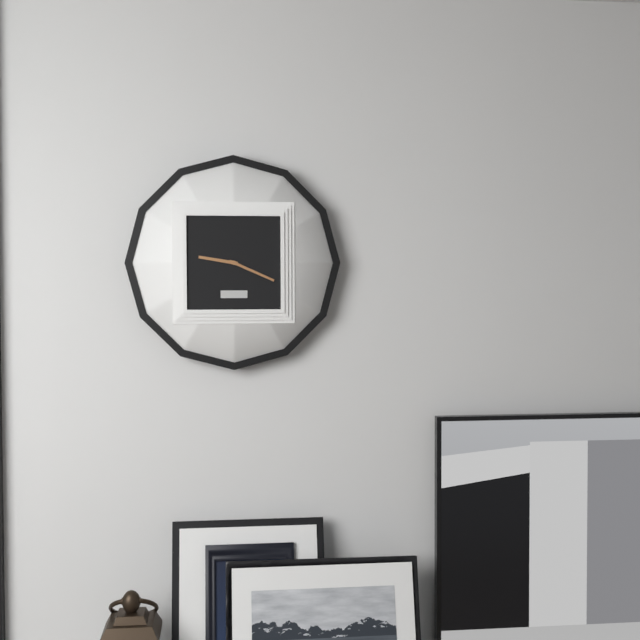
h=9 m=19
